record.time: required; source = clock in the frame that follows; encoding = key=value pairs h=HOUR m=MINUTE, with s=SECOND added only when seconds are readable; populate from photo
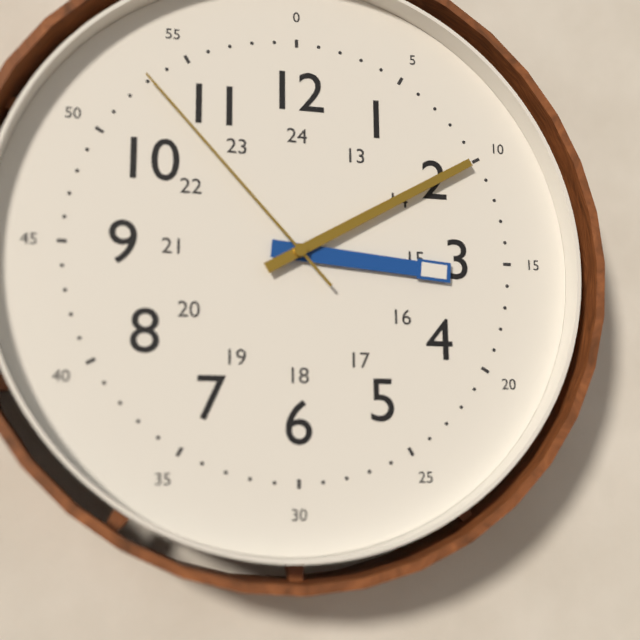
h=3 m=10 s=53
